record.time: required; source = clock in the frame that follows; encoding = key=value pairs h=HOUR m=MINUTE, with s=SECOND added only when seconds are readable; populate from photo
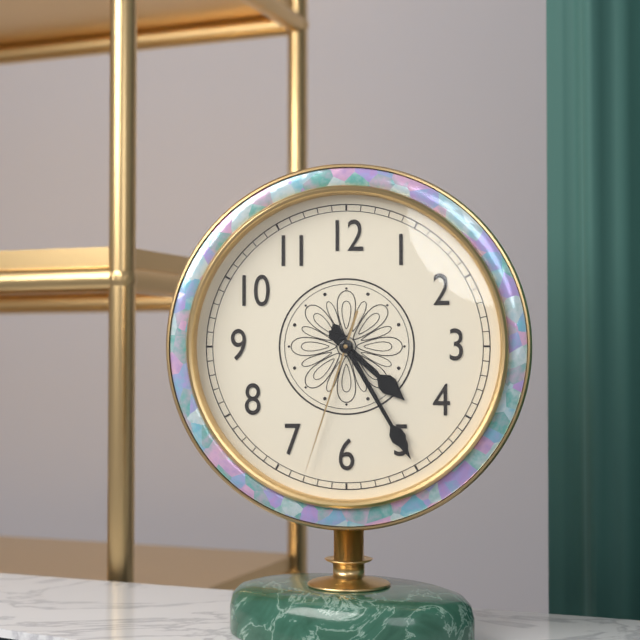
h=4 m=25 s=33
